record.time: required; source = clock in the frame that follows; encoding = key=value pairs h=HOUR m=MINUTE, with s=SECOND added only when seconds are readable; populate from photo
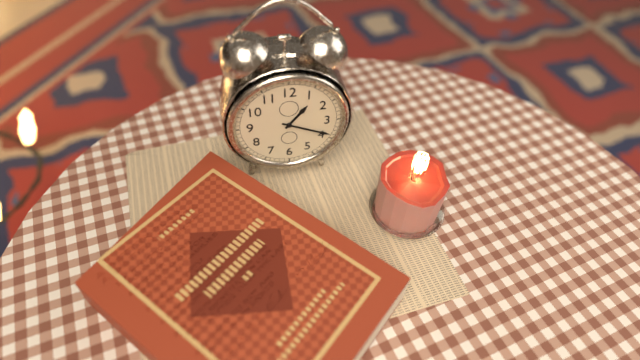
h=1 m=19
